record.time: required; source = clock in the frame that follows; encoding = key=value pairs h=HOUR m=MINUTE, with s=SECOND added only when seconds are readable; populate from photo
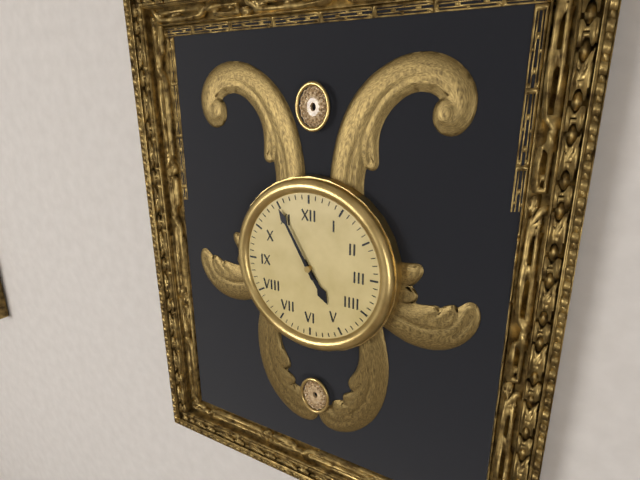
h=4 m=55
